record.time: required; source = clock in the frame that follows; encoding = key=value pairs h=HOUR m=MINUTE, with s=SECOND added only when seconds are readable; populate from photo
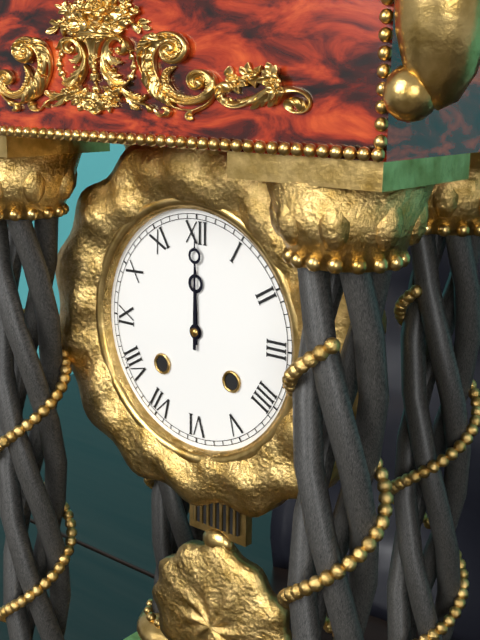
h=12 m=0
